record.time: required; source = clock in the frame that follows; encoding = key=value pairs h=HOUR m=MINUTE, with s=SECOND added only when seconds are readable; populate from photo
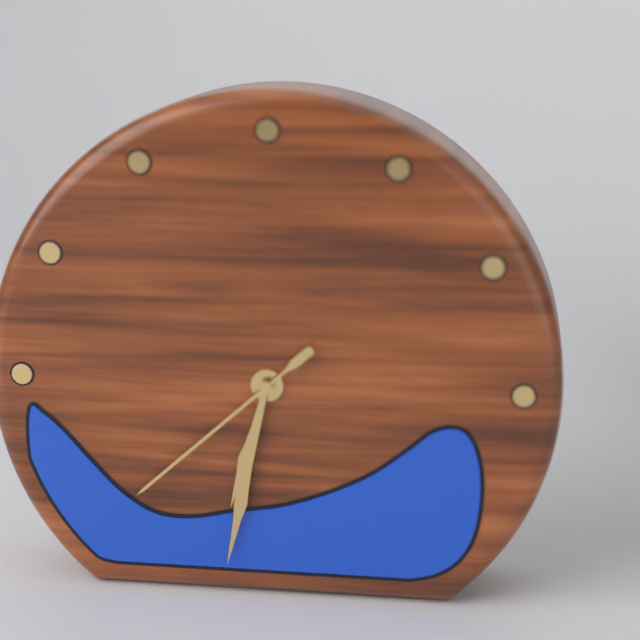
h=6 m=32 s=38
